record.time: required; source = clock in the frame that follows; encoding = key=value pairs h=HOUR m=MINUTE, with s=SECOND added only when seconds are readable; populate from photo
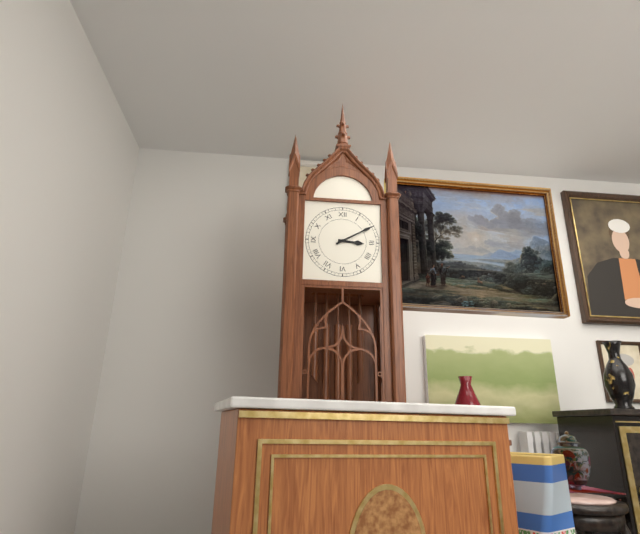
h=3 m=10
